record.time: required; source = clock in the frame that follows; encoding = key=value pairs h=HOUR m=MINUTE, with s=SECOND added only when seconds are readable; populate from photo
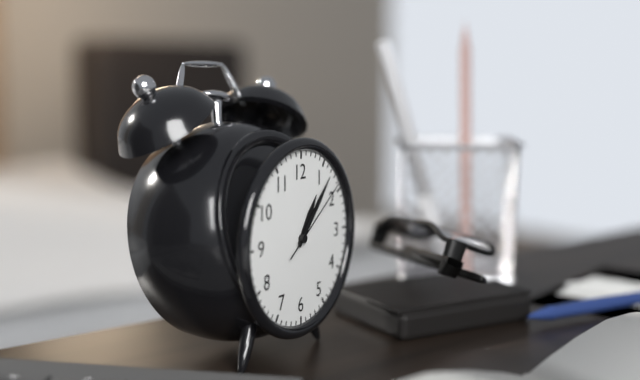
h=1 m=7 s=9
